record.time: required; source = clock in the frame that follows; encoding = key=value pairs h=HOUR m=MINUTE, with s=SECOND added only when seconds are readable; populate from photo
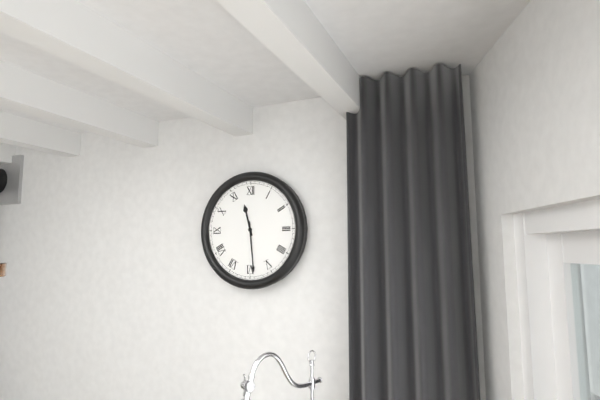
h=11 m=29
